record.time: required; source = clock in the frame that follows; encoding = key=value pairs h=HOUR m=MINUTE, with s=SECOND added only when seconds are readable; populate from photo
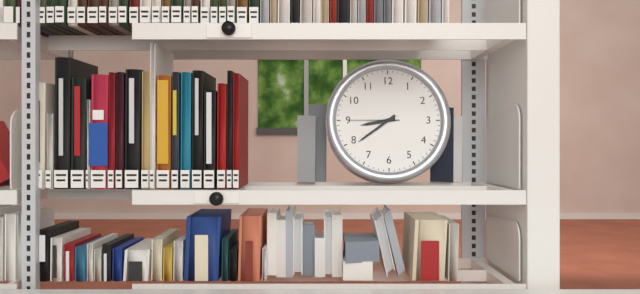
h=8 m=39 s=45
